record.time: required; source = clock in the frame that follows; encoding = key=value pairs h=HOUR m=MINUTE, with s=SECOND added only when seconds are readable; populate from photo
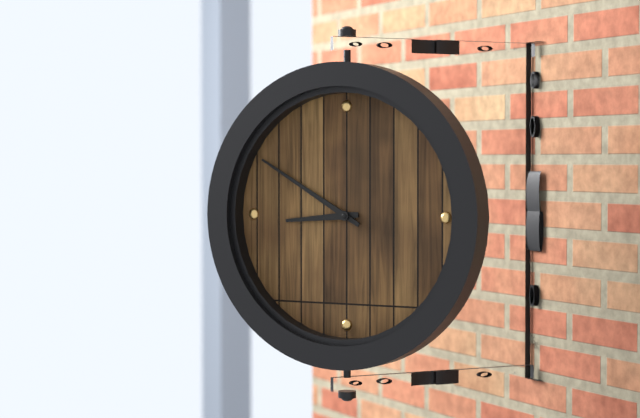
h=8 m=50
